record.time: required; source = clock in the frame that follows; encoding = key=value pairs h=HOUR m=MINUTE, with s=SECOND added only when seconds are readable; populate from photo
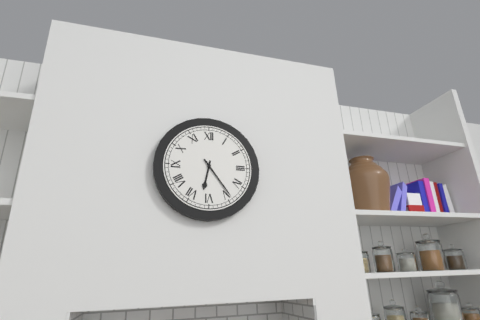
h=6 m=24
